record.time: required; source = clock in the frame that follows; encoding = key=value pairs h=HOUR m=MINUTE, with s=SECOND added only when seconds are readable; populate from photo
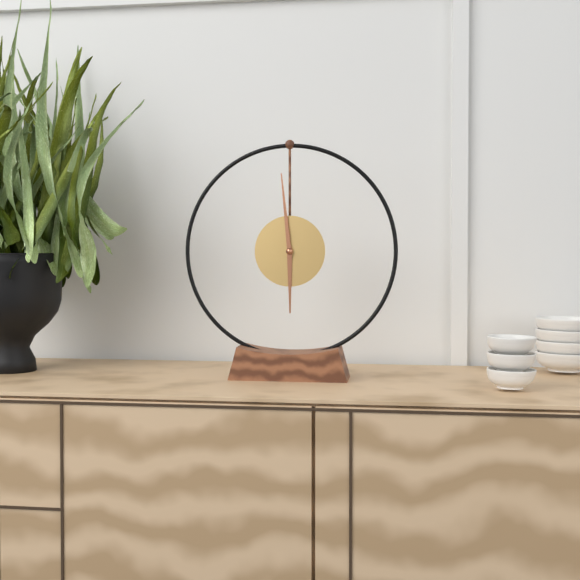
h=5 m=59
